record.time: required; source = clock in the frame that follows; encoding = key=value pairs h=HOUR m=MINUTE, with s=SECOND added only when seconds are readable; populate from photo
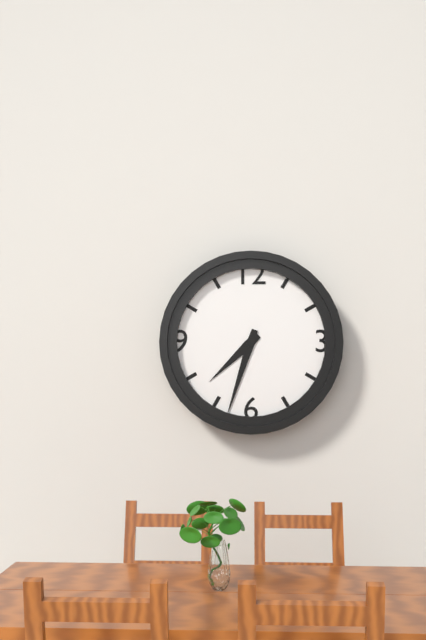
h=7 m=33
